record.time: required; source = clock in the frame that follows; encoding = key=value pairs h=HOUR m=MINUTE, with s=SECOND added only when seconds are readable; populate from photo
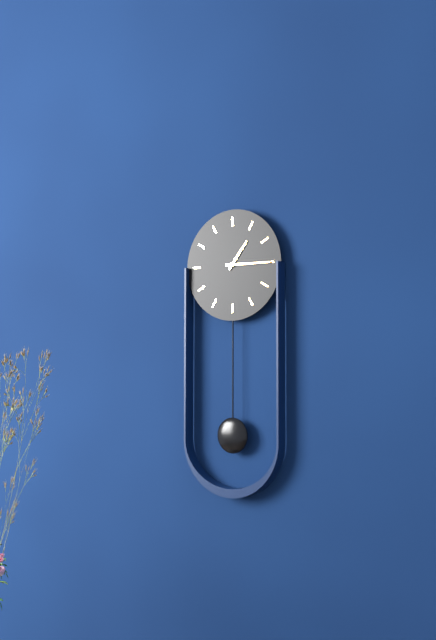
h=1 m=15
